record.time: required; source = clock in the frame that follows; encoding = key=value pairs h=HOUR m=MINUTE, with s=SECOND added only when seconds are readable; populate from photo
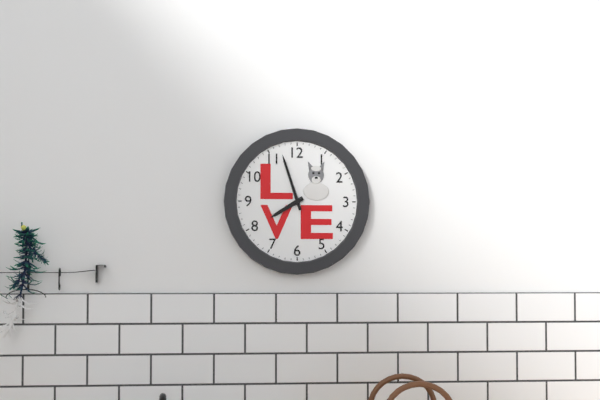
h=7 m=57
